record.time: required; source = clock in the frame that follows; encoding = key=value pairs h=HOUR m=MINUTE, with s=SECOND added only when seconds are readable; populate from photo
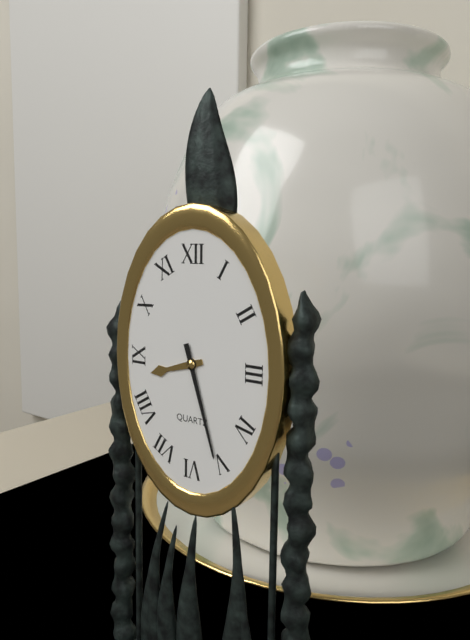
h=8 m=27
